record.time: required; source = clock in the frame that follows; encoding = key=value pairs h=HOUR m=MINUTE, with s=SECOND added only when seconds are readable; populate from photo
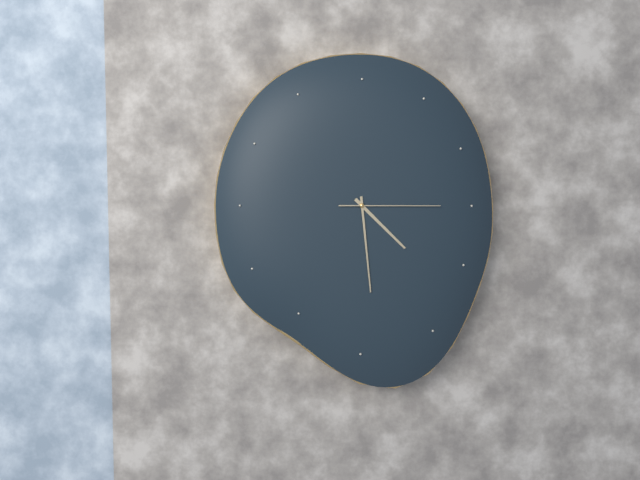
h=4 m=29 s=15
